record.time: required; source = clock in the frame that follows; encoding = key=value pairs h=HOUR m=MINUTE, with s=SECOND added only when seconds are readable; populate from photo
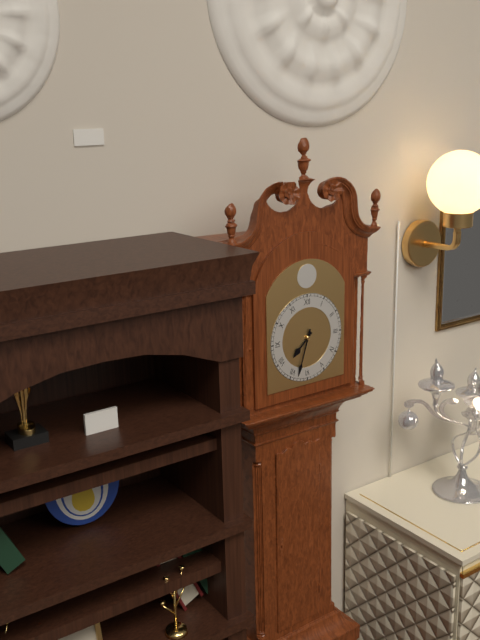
h=7 m=33
